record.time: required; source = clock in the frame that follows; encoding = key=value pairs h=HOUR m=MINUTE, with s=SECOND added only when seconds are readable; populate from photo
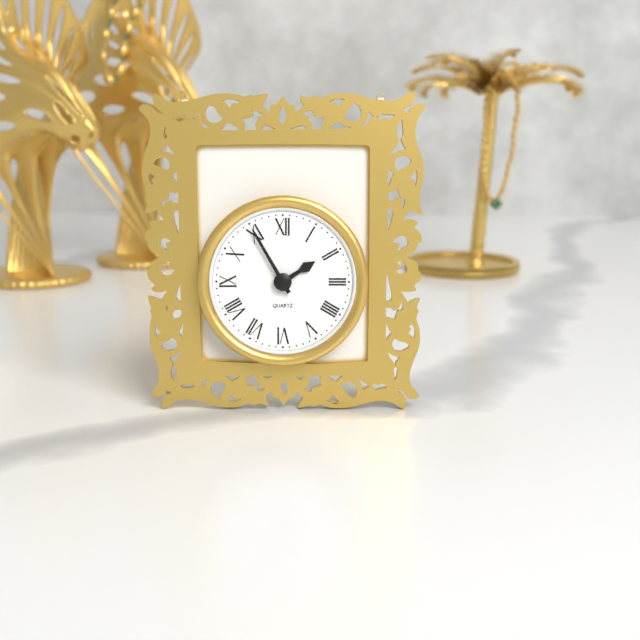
h=1 m=55
